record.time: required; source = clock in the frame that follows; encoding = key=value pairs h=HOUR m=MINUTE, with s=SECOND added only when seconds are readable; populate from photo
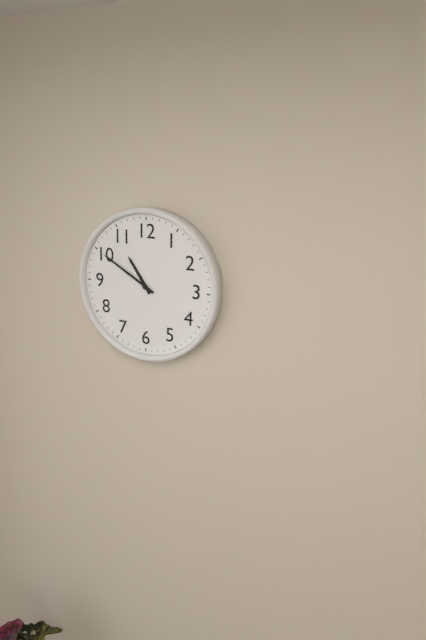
h=10 m=50
